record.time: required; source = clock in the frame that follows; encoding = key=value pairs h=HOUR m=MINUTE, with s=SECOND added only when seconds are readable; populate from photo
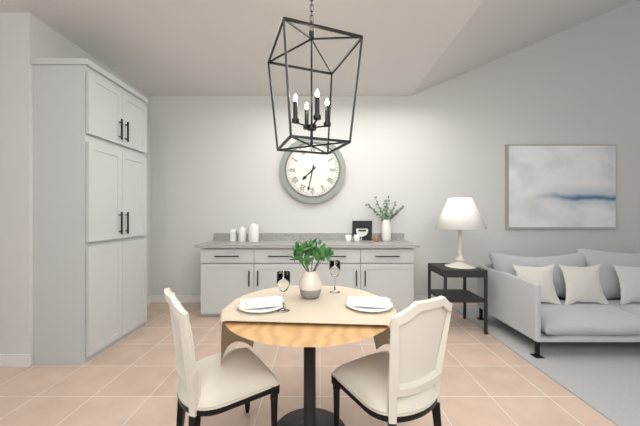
h=7 m=32
